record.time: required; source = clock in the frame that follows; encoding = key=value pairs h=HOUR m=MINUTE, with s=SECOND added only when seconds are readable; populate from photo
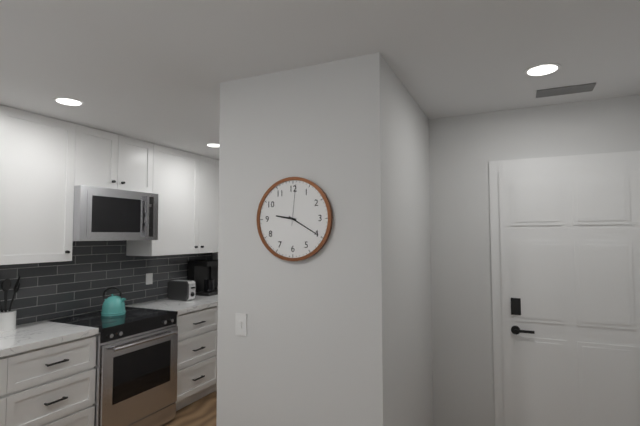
h=9 m=20
